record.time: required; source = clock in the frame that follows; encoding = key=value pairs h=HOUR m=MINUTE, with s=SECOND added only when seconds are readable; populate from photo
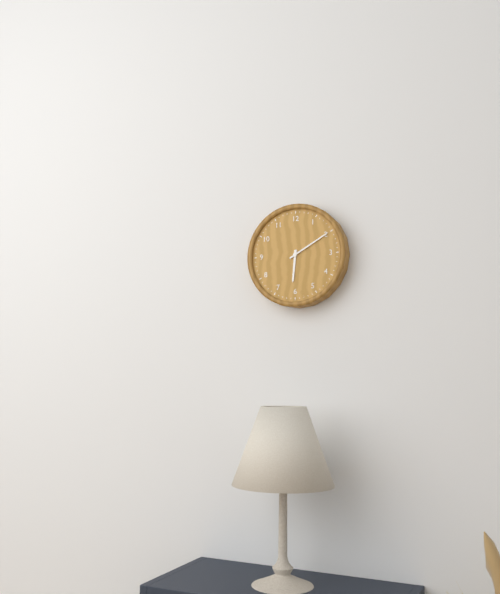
h=6 m=10
